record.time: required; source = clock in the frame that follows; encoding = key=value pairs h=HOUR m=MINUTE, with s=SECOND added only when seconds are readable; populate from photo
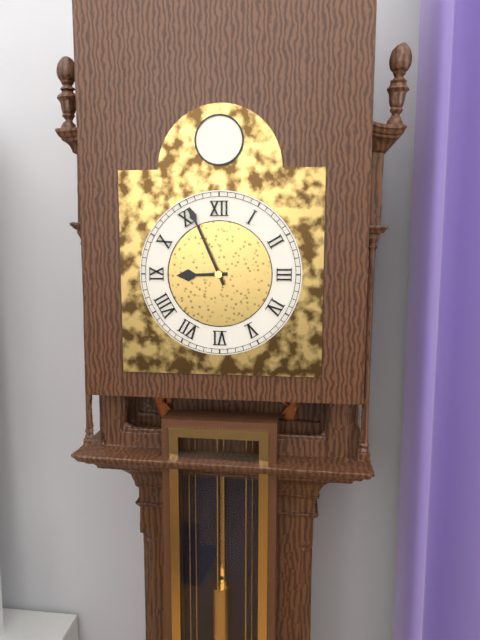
h=8 m=56
